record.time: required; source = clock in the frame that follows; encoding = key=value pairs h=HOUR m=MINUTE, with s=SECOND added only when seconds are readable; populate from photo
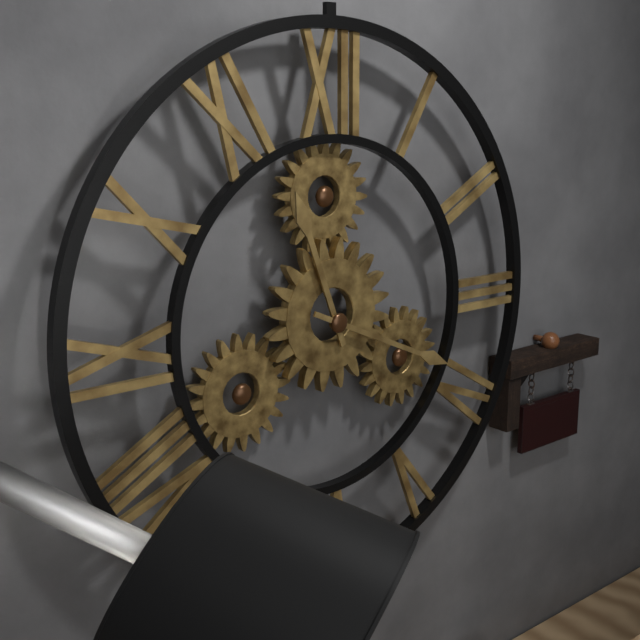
h=11 m=19
